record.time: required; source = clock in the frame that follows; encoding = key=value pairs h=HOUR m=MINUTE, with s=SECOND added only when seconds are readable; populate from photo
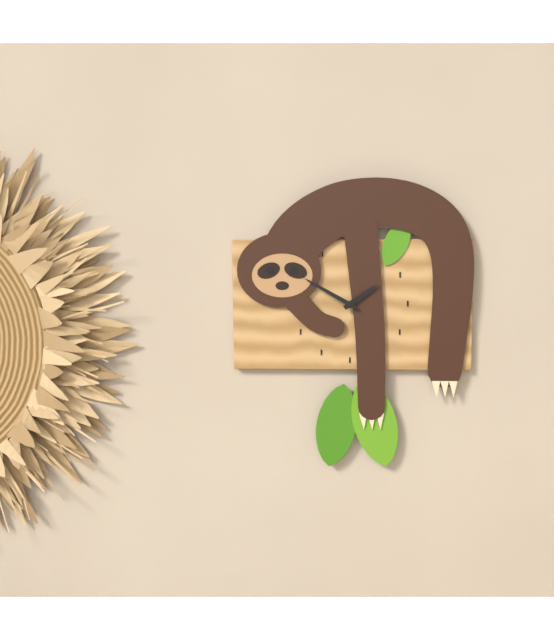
h=1 m=50
